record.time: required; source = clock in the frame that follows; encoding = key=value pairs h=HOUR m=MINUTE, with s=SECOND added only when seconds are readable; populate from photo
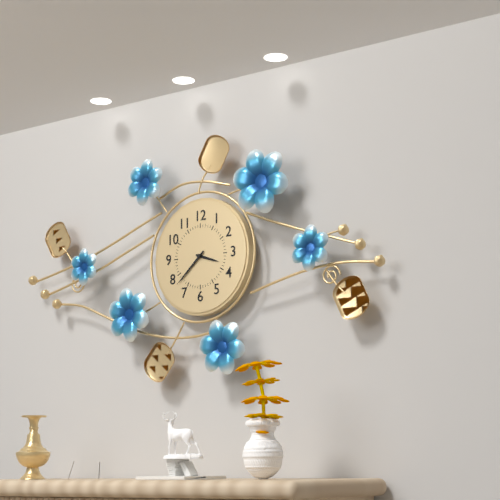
h=3 m=38
